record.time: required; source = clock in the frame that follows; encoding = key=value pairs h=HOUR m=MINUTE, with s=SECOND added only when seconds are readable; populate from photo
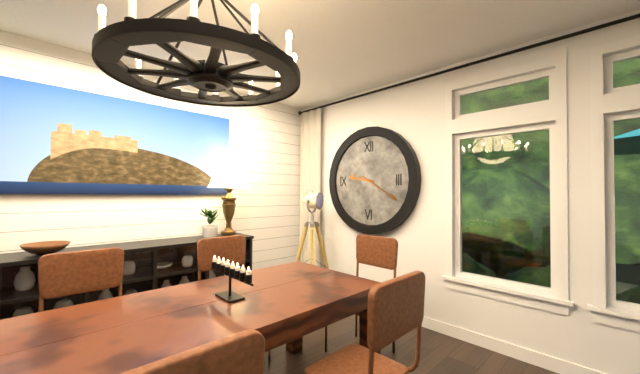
h=9 m=20
